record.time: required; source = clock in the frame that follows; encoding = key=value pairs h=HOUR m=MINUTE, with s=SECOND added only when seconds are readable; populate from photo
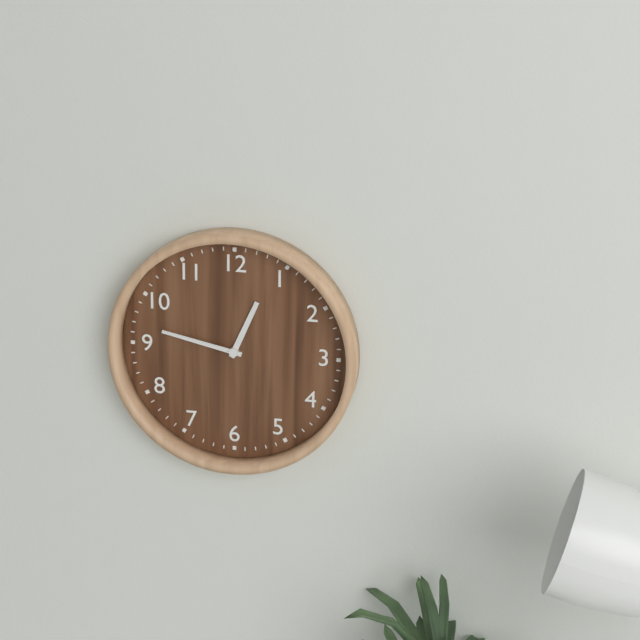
h=12 m=47
